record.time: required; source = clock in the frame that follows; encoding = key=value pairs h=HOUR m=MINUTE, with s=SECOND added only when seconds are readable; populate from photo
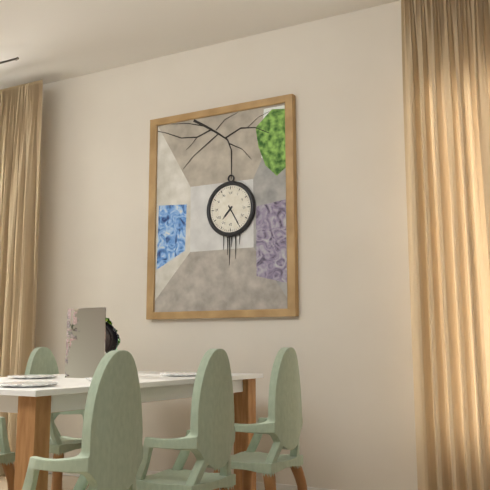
h=7 m=25
